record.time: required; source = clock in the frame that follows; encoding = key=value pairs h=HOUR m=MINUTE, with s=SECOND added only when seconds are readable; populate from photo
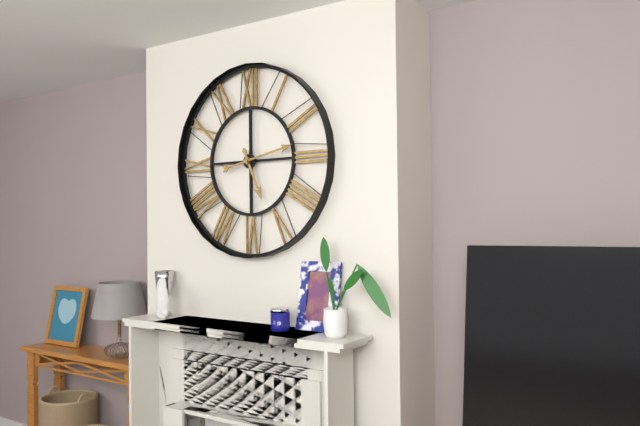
h=5 m=13
